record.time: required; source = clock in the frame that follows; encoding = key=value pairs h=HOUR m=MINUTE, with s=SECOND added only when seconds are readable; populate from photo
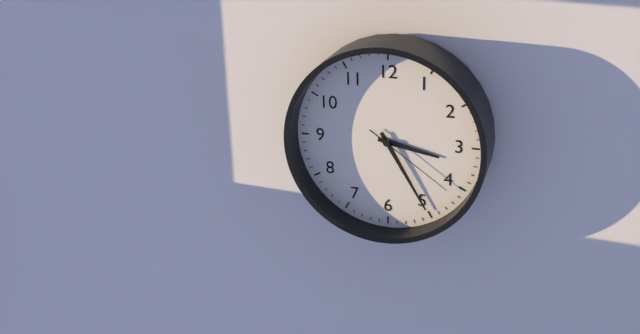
h=3 m=25 s=21
